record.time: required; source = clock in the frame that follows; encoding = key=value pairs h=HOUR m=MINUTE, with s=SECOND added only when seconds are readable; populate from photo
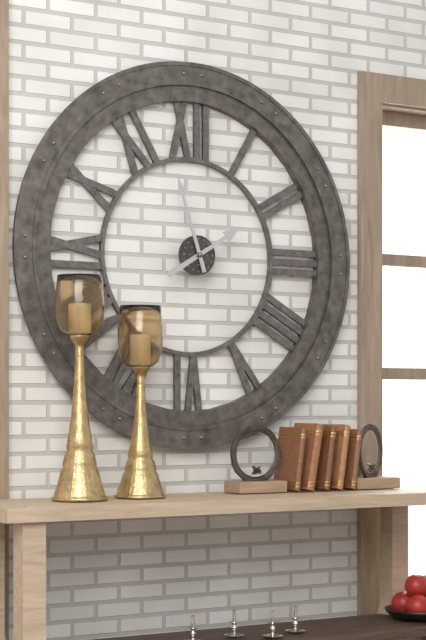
h=1 m=57
